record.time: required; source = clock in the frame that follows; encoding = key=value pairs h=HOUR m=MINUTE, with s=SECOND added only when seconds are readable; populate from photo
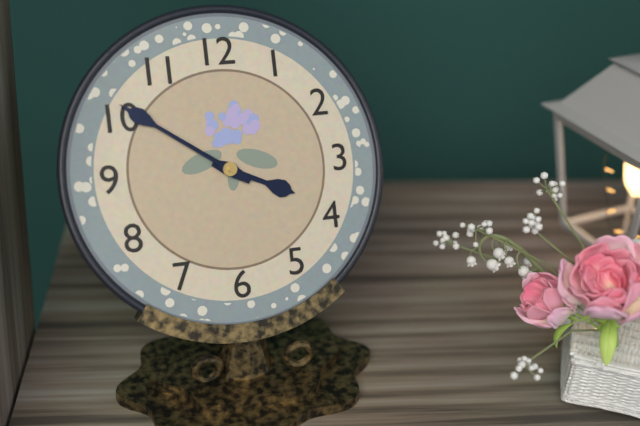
h=3 m=51
